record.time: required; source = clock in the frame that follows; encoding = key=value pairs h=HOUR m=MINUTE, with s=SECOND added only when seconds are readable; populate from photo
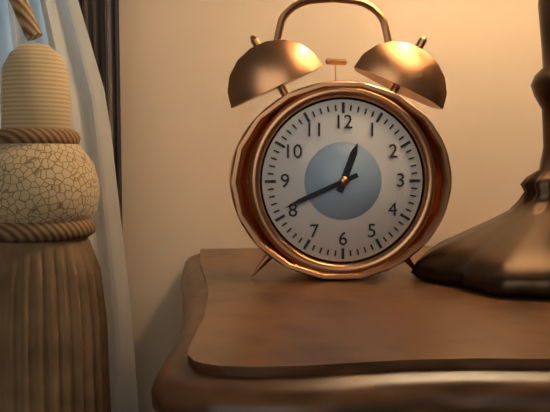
h=12 m=41
